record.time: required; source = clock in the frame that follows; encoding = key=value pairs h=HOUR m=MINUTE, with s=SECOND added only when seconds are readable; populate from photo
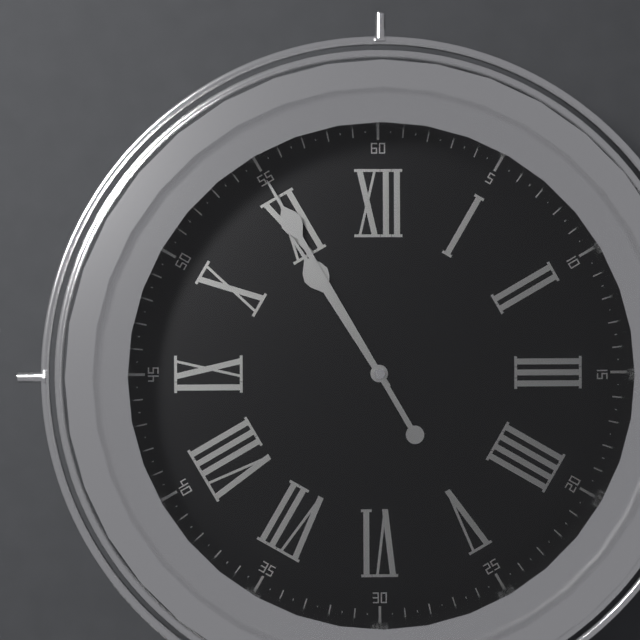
h=10 m=55
